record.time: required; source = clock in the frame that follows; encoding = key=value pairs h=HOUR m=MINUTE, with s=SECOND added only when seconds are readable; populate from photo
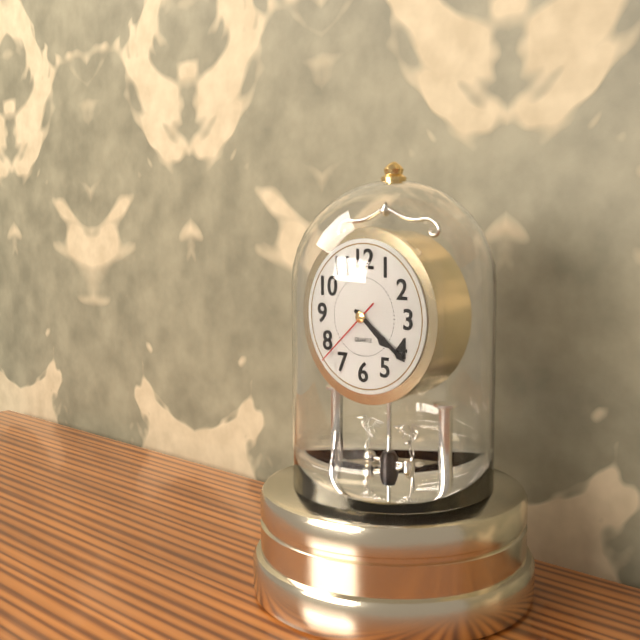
h=4 m=21 s=38
